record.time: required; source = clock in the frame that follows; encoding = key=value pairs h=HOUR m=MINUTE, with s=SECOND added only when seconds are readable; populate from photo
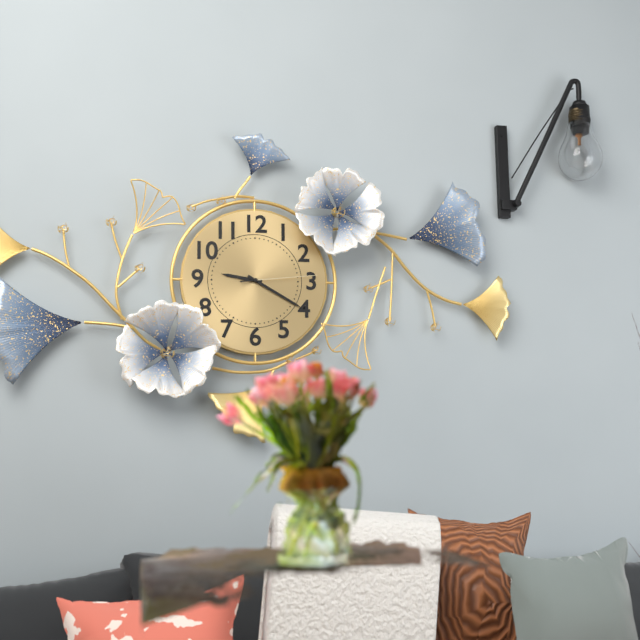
h=9 m=20 s=14
